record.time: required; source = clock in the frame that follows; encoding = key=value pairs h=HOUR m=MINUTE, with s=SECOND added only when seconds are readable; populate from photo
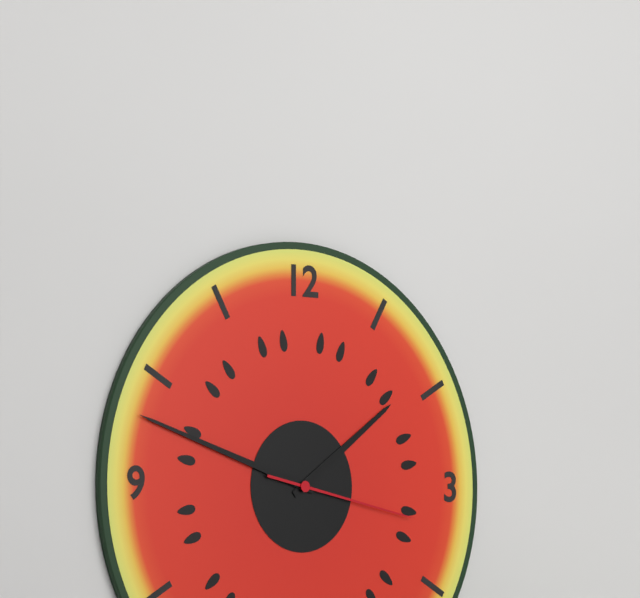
h=1 m=48 s=17
